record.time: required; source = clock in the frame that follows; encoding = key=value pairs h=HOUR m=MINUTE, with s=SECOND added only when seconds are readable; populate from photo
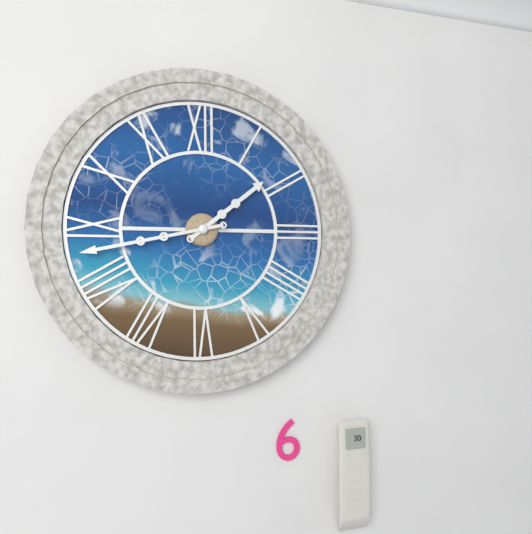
h=1 m=43
